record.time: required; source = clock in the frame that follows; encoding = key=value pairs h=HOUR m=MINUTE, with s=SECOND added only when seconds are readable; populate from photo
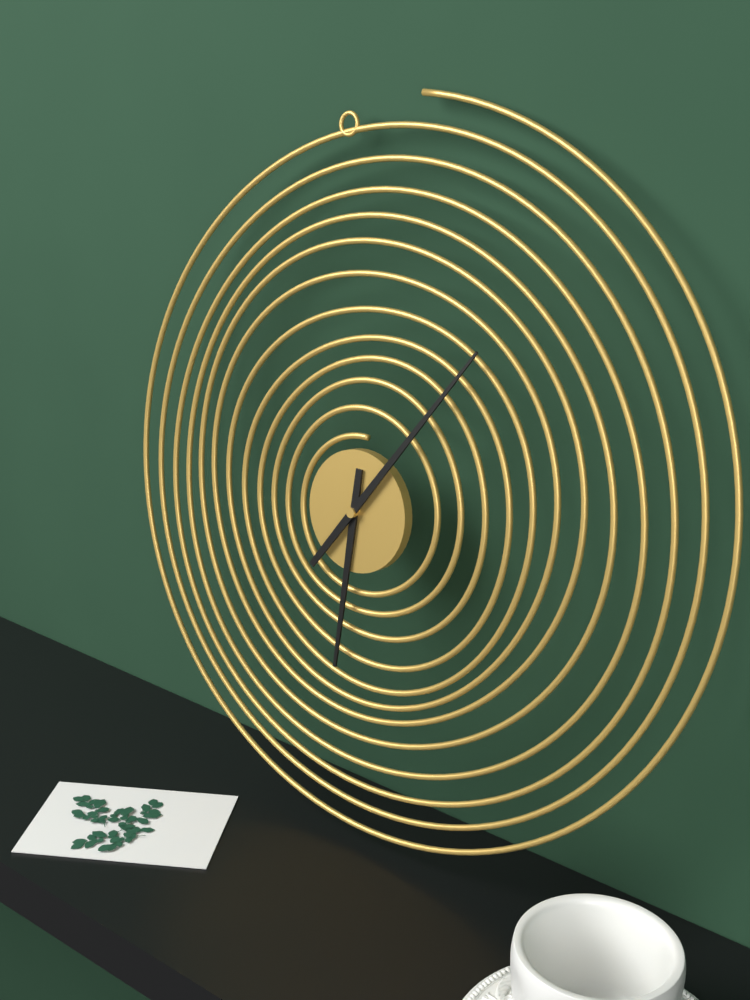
h=6 m=6
